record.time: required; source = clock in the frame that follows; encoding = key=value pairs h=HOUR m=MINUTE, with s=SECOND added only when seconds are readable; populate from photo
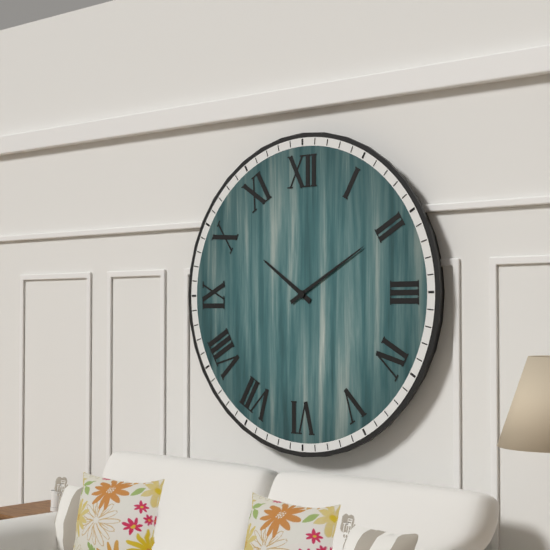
h=10 m=10
